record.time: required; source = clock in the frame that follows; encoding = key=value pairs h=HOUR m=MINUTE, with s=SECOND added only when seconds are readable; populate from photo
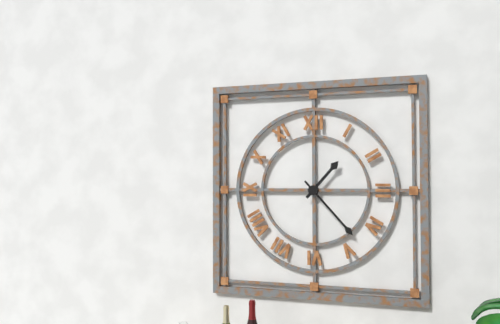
h=1 m=23
